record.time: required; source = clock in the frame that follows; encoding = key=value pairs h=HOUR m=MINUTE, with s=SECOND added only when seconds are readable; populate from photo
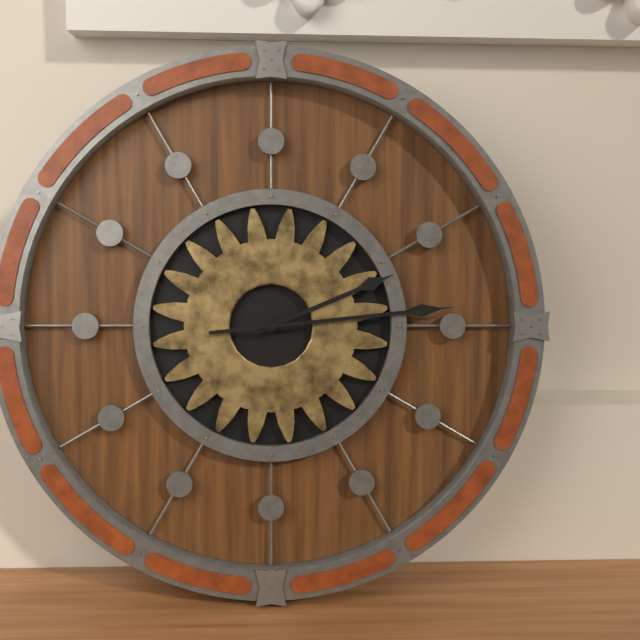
h=2 m=14
